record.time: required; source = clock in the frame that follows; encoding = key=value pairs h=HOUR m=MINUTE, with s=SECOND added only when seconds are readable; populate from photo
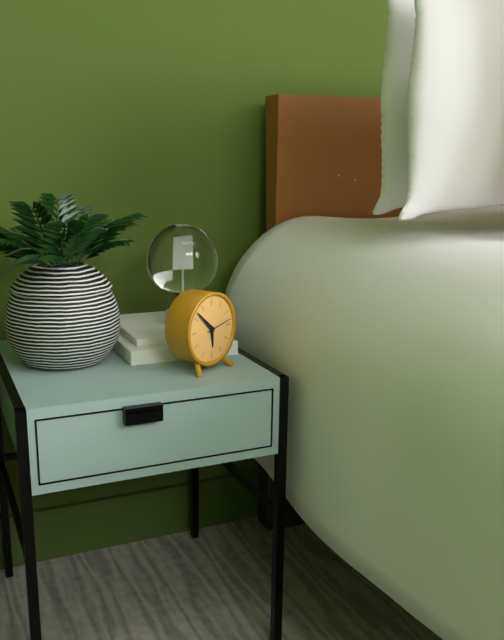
h=5 m=52
